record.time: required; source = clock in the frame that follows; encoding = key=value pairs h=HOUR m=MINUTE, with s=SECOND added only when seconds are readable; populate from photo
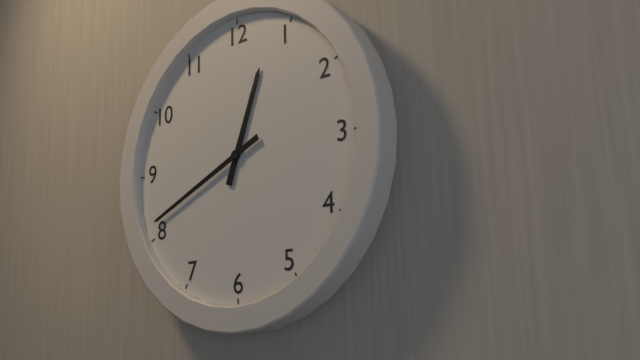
h=12 m=41
